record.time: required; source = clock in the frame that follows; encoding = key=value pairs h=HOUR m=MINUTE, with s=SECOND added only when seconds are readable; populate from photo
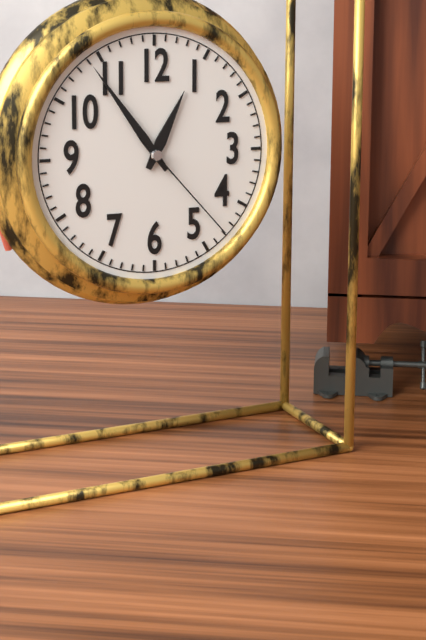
h=12 m=54 s=23
